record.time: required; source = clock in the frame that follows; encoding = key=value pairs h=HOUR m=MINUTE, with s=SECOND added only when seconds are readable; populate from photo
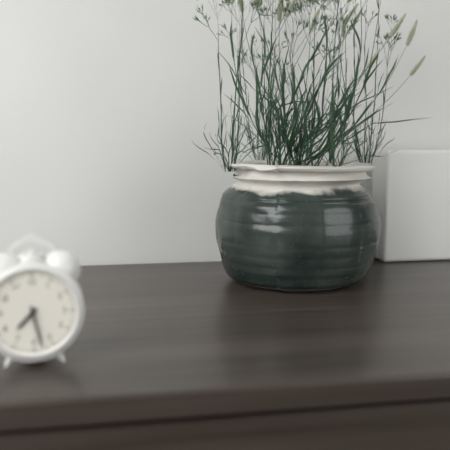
h=7 m=28
